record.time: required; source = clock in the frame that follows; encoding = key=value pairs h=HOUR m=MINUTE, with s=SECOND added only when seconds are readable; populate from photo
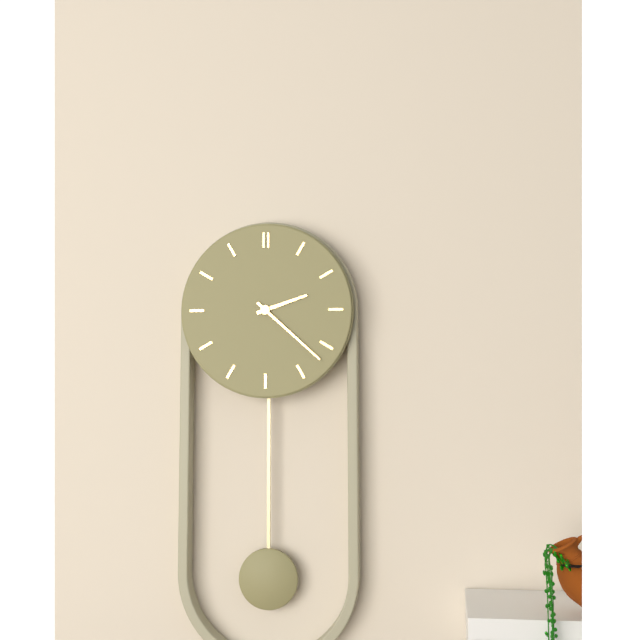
h=2 m=22
